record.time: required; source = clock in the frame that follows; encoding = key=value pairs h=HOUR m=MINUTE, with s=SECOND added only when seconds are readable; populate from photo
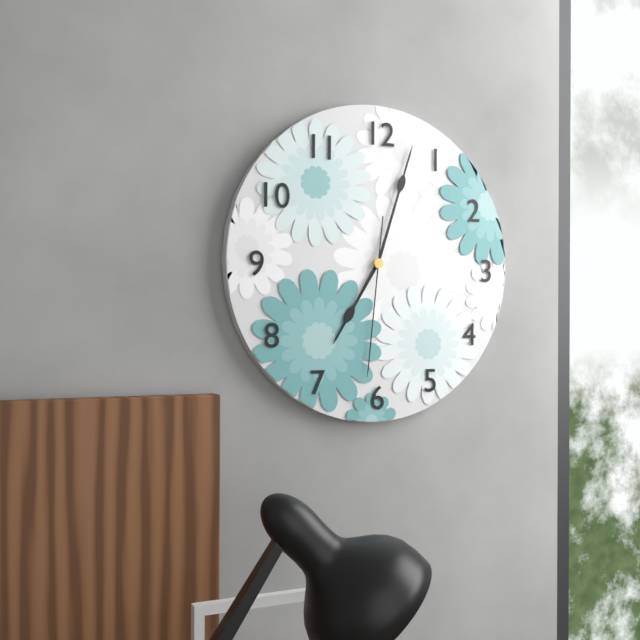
h=7 m=3 s=31
